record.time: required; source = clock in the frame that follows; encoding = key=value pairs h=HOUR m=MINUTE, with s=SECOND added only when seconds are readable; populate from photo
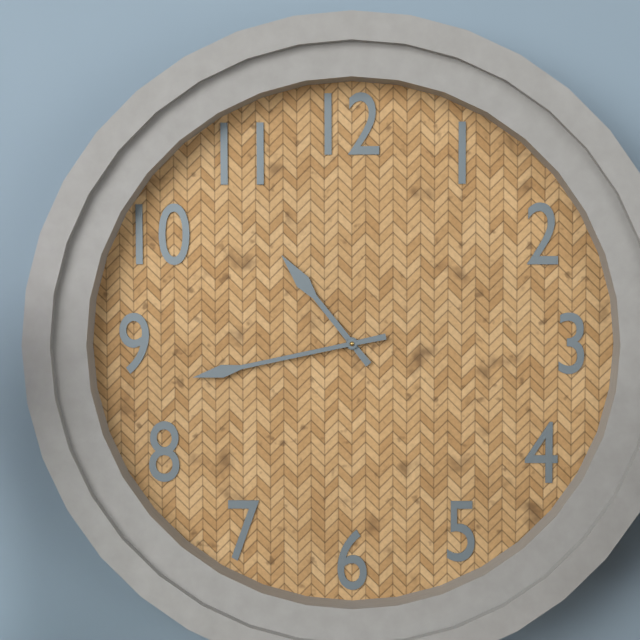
h=10 m=43
